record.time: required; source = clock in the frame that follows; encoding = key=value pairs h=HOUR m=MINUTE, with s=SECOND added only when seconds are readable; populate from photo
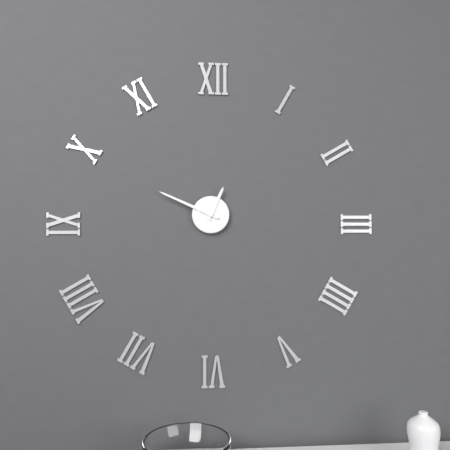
h=12 m=49
